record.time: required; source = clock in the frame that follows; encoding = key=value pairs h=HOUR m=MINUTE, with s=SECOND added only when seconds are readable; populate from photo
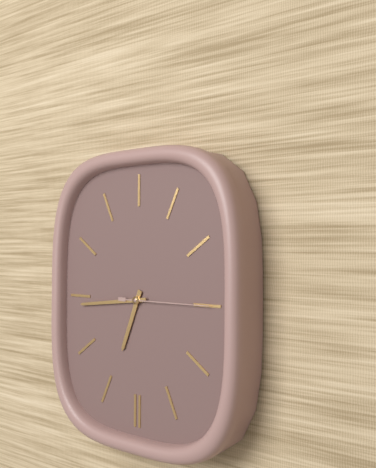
h=6 m=44 s=15
